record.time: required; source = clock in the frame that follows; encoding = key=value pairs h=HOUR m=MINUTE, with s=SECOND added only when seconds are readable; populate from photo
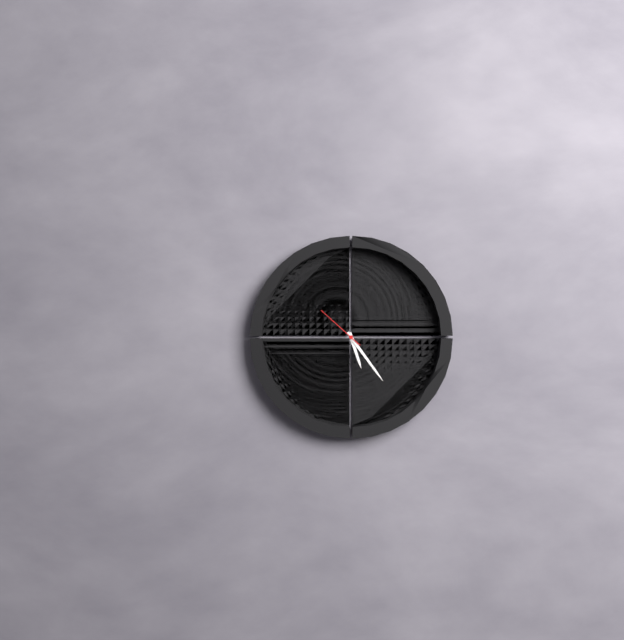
h=5 m=24 s=52
